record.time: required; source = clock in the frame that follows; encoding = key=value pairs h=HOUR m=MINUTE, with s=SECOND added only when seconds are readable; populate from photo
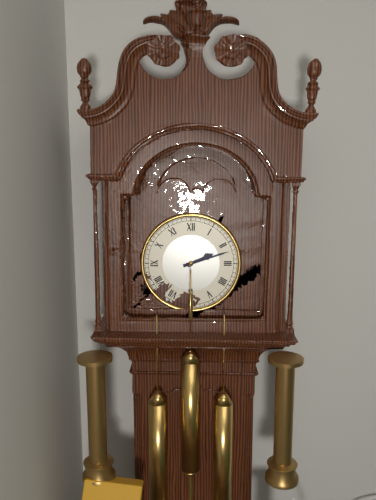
h=2 m=12
